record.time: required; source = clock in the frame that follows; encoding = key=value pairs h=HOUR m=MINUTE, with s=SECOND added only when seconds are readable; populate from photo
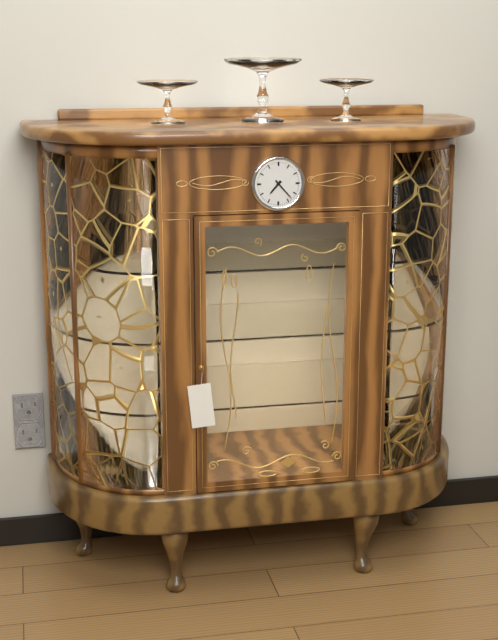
h=7 m=23
